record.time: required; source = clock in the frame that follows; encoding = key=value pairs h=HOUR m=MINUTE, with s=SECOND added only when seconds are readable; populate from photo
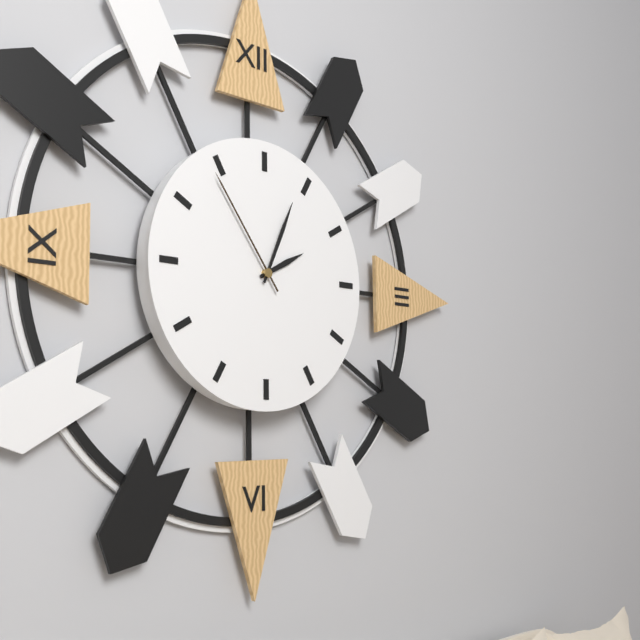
h=2 m=4 s=54
